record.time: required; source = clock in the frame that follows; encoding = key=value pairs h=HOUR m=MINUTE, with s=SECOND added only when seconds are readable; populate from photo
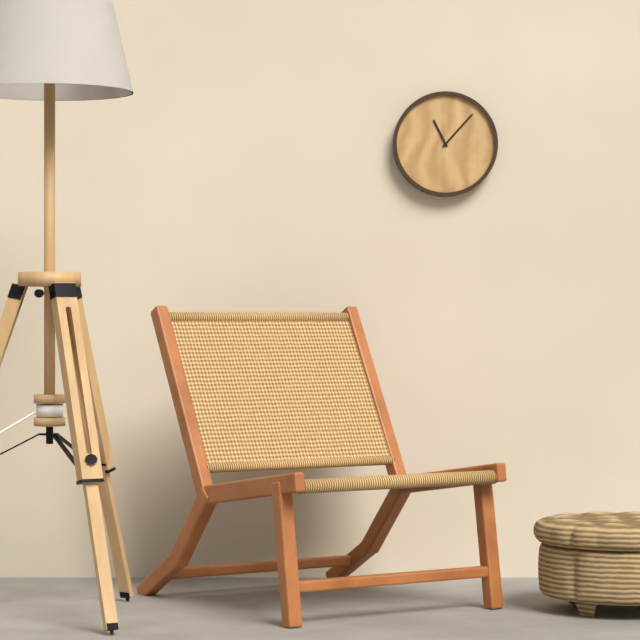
h=11 m=7
